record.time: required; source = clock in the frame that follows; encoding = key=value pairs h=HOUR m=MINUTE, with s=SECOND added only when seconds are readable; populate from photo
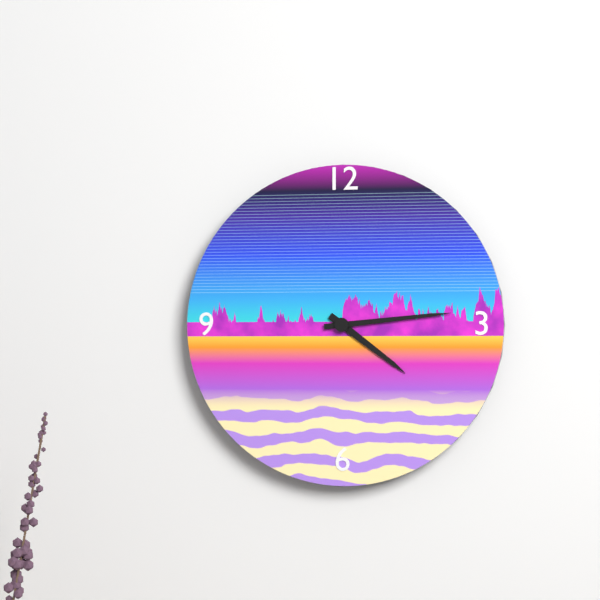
h=4 m=14
